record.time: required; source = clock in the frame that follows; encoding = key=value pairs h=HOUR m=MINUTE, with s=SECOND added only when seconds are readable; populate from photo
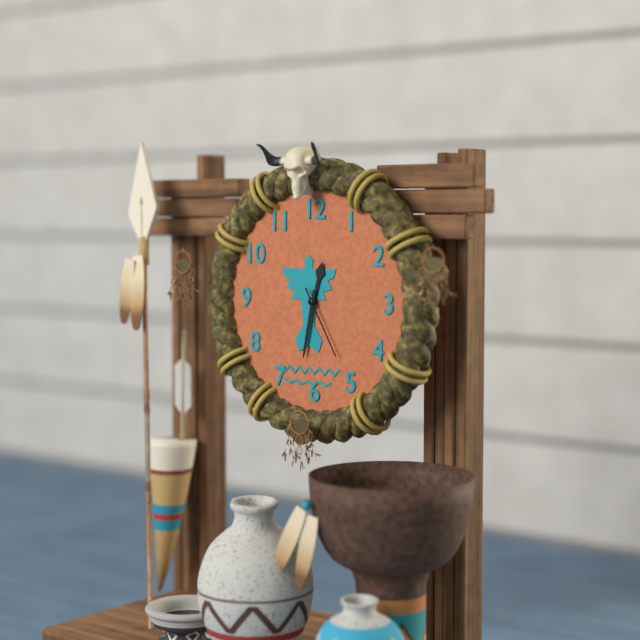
h=12 m=32 s=25
